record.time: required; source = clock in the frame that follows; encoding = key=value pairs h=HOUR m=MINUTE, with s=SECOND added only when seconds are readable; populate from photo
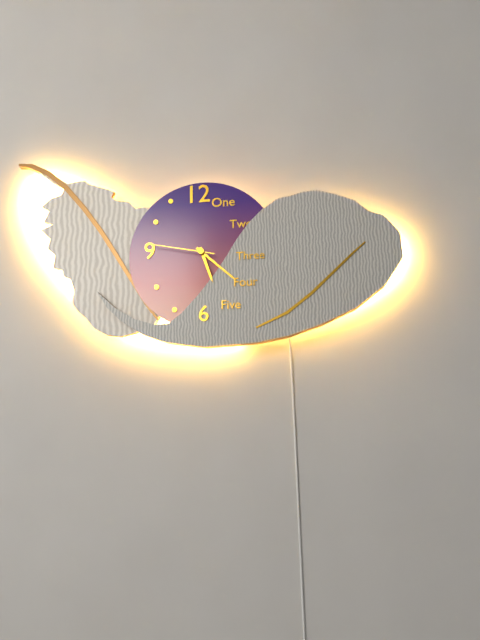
h=5 m=22 s=47
